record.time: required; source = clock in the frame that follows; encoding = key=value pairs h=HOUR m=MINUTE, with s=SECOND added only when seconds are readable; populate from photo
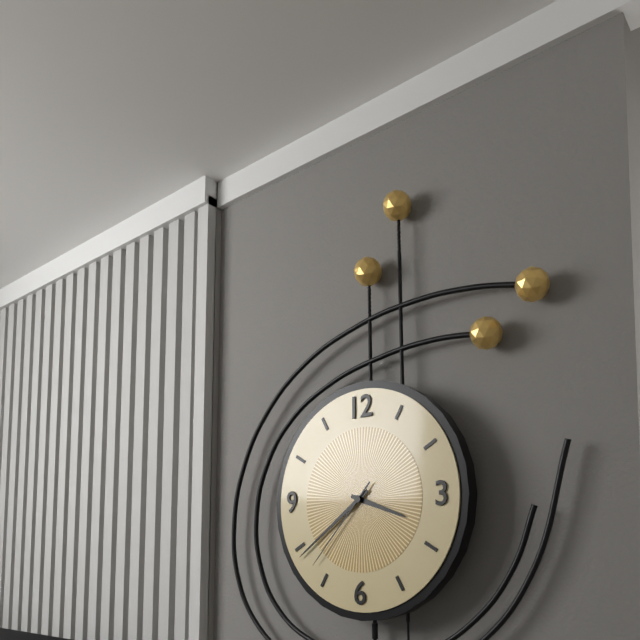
h=3 m=39 s=37
